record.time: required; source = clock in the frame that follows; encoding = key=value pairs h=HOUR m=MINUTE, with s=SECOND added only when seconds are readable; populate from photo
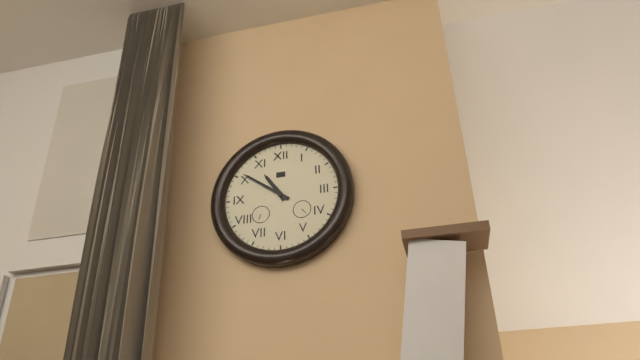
h=10 m=51
